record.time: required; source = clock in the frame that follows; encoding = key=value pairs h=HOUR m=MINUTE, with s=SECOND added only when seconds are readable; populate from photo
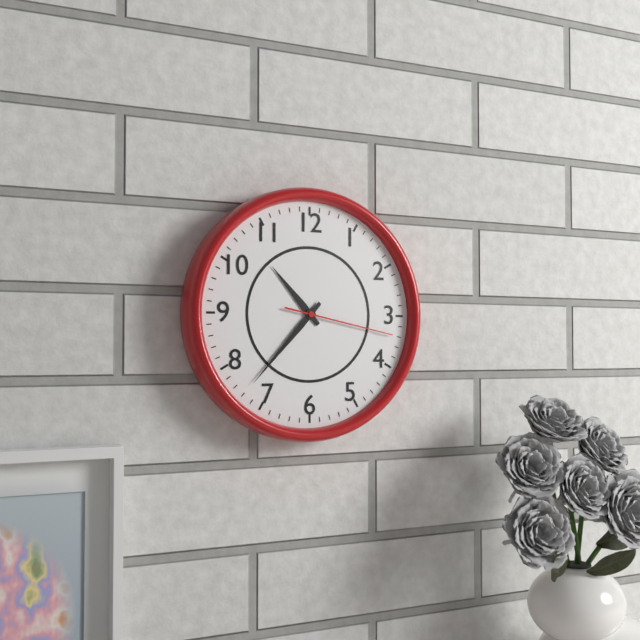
h=10 m=37 s=17
